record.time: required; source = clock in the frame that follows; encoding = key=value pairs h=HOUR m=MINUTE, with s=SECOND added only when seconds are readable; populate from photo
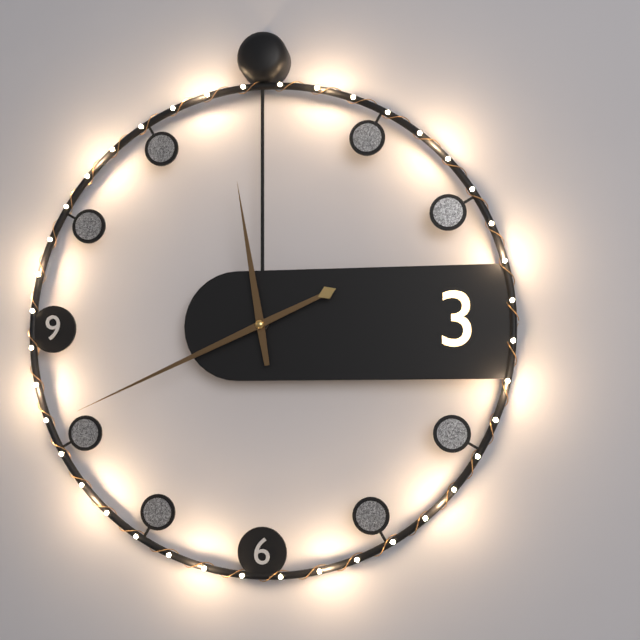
h=11 m=41
